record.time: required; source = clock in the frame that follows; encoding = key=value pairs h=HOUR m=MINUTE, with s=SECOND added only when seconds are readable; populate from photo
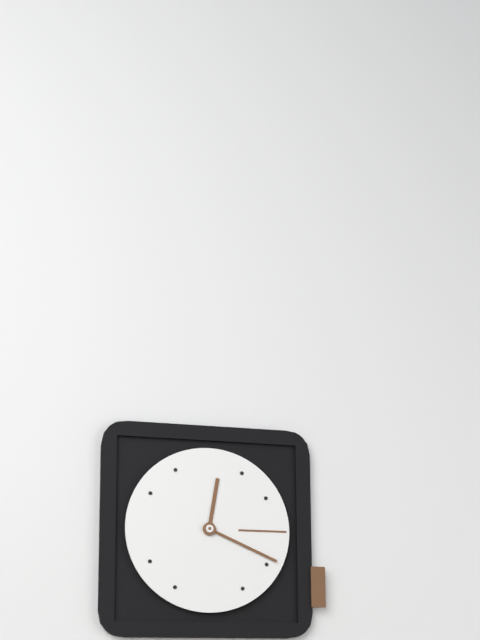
h=12 m=19
